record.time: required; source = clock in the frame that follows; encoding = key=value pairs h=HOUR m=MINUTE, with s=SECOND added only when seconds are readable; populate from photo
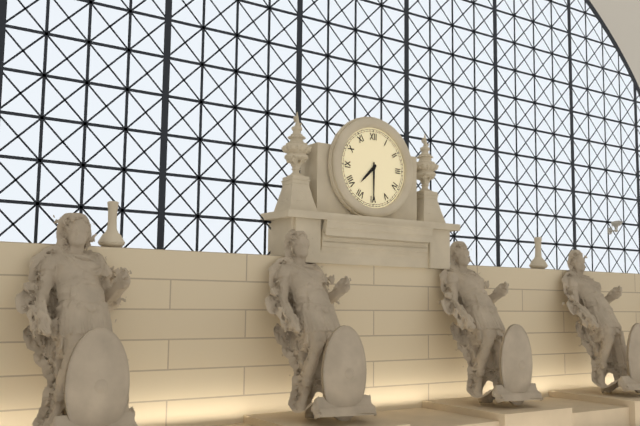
h=7 m=30
